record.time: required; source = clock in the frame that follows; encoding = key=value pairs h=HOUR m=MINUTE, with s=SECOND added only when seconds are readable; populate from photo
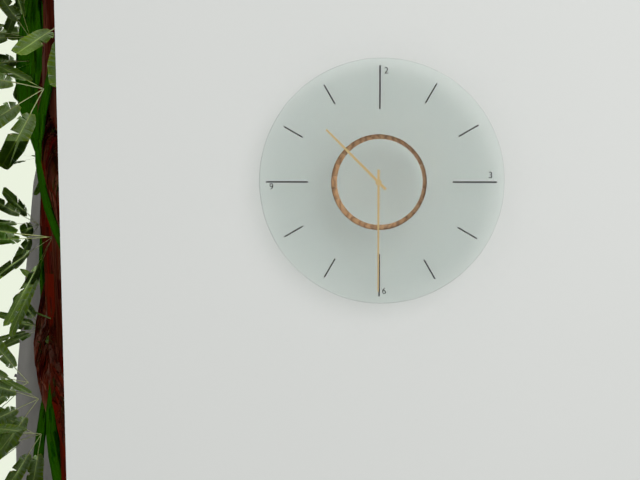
h=10 m=30
